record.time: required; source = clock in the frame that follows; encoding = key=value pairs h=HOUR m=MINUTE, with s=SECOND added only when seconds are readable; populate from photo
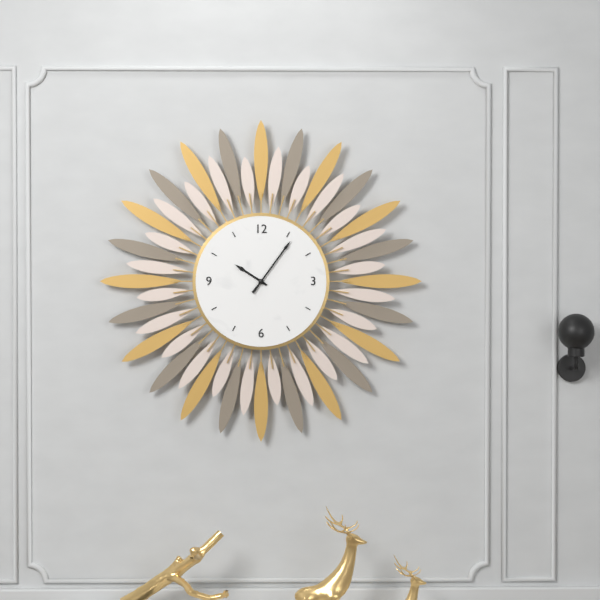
h=10 m=6
